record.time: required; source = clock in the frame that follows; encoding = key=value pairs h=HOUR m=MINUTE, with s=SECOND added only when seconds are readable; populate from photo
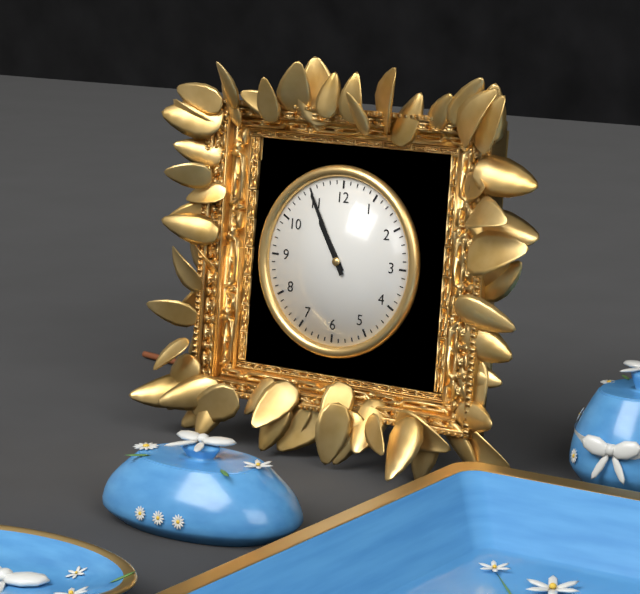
h=10 m=55
